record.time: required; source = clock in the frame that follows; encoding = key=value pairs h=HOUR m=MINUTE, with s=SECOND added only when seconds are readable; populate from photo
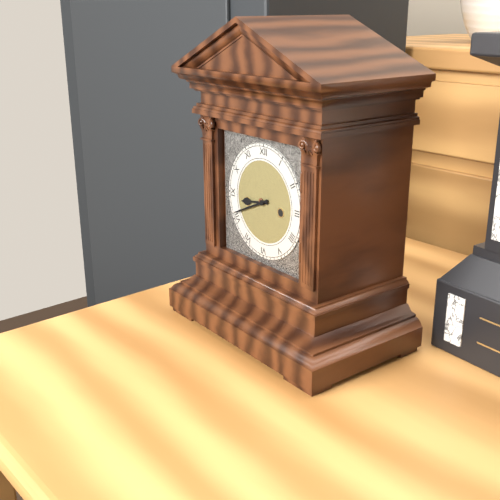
h=8 m=41
